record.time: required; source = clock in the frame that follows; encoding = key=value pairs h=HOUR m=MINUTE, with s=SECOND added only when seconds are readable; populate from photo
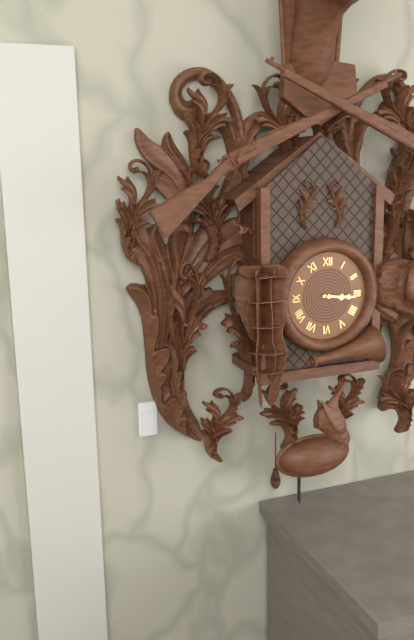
h=3 m=16
